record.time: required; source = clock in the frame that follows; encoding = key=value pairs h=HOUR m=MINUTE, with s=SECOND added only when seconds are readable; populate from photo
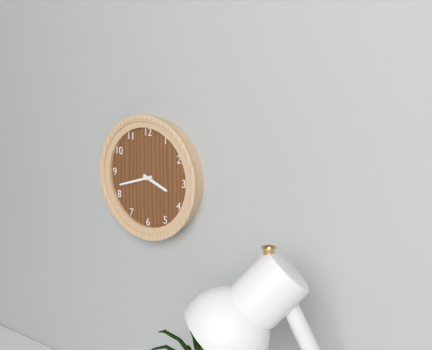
h=3 m=42
